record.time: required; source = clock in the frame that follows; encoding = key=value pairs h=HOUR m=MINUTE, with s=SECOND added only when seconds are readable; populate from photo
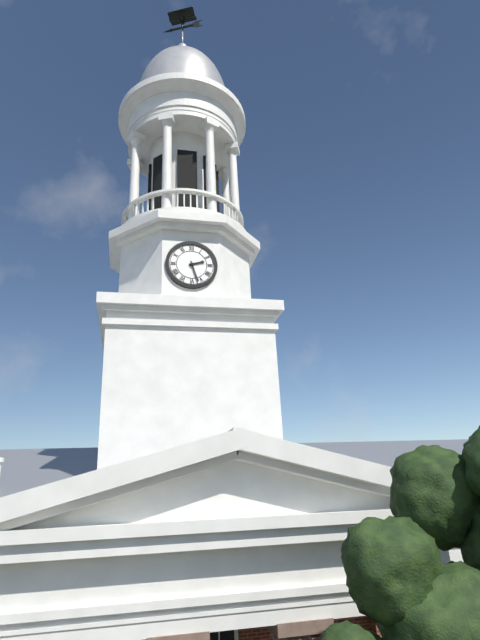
h=2 m=27
